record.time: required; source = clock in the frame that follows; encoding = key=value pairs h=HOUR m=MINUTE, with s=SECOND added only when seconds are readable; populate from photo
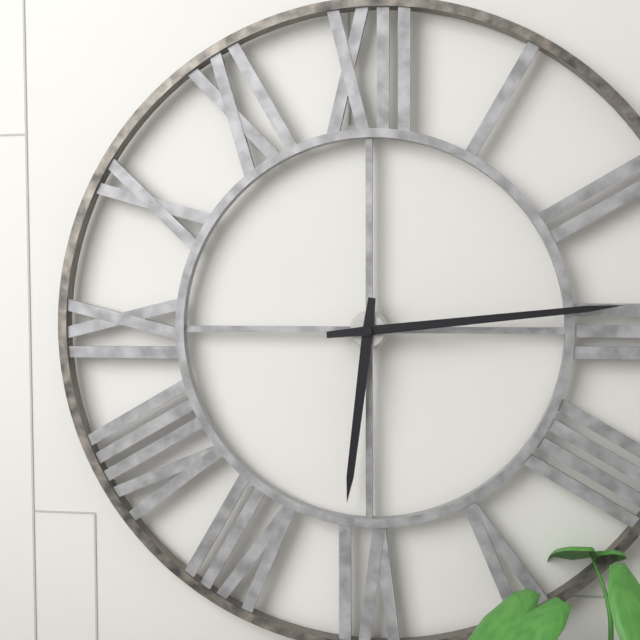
h=6 m=14
